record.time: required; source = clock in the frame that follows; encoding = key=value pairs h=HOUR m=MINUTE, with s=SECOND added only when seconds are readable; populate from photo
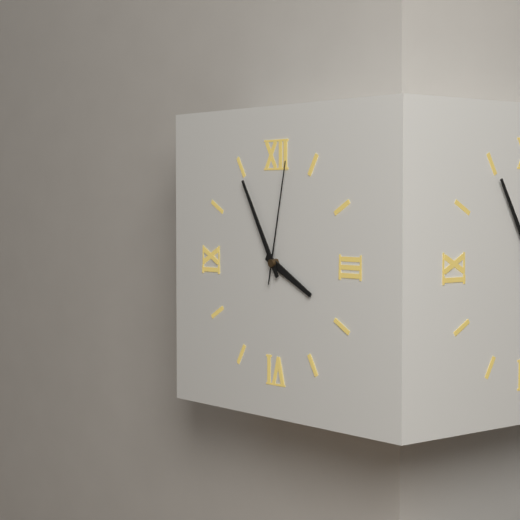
h=3 m=55 s=2
